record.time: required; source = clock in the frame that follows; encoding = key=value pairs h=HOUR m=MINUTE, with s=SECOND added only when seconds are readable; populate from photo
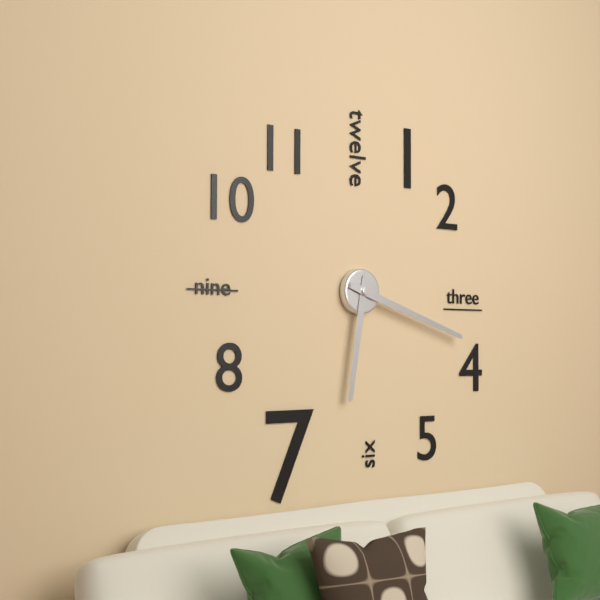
h=6 m=18
